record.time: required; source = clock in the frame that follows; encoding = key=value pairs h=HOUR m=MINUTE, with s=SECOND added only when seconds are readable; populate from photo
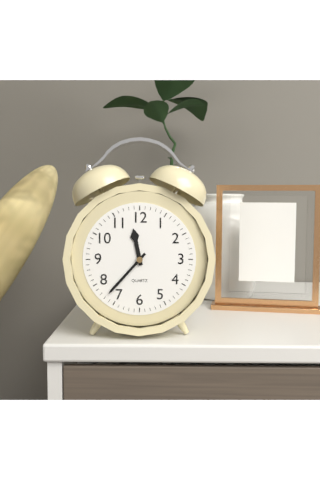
h=11 m=37
